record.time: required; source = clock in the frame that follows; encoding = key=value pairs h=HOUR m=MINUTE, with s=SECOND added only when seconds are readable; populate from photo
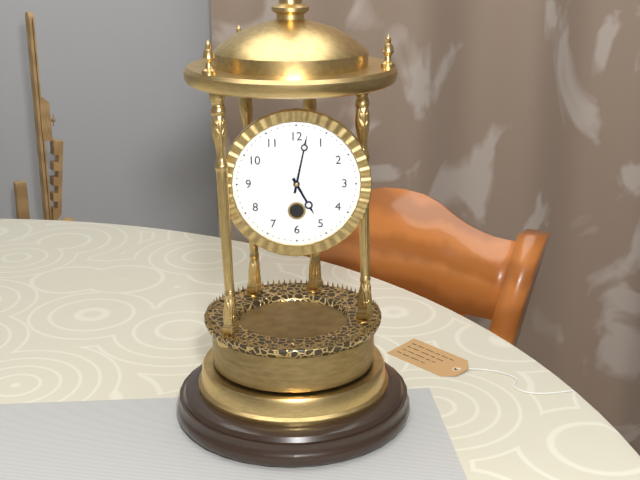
h=5 m=2
